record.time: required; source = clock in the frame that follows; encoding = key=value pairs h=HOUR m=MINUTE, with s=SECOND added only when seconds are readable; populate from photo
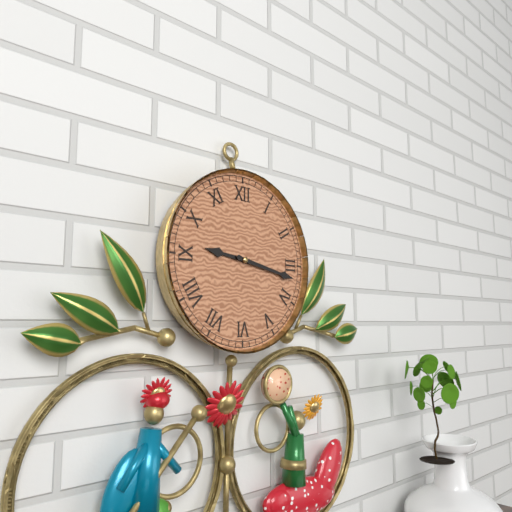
h=9 m=17
